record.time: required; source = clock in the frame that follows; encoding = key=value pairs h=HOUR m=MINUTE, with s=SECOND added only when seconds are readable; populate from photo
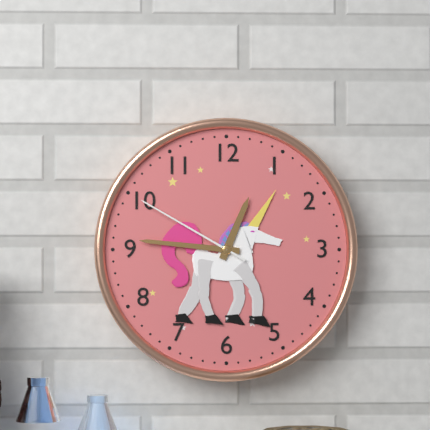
h=12 m=46 s=50
